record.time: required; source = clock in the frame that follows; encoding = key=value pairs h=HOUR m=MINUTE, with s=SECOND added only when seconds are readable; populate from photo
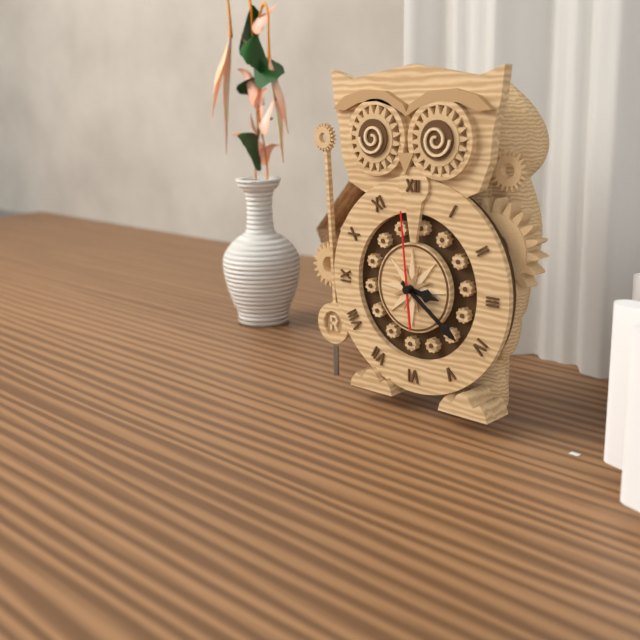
h=3 m=21 s=59
